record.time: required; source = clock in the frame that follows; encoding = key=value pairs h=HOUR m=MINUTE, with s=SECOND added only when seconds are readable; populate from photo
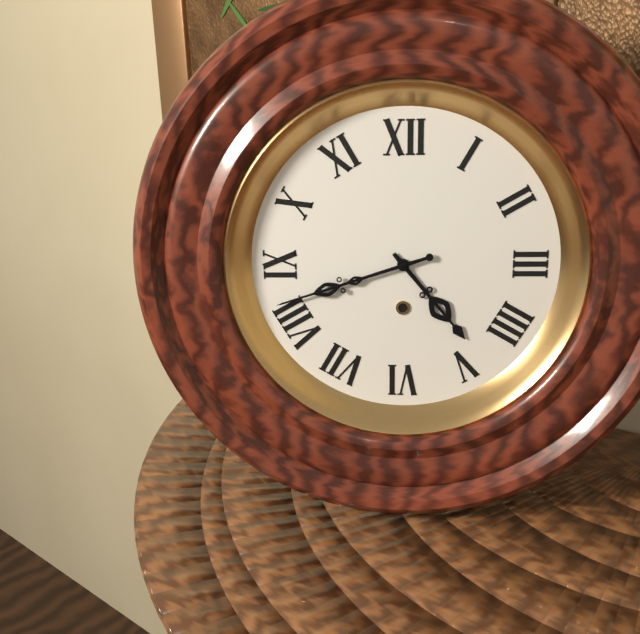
h=4 m=42
